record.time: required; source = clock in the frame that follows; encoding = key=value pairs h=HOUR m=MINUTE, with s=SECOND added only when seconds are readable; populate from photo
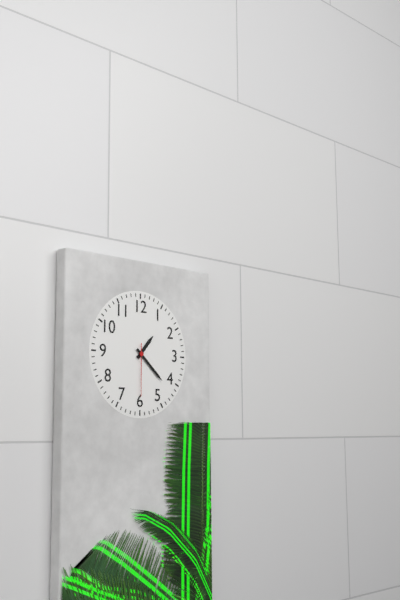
h=1 m=22 s=30
